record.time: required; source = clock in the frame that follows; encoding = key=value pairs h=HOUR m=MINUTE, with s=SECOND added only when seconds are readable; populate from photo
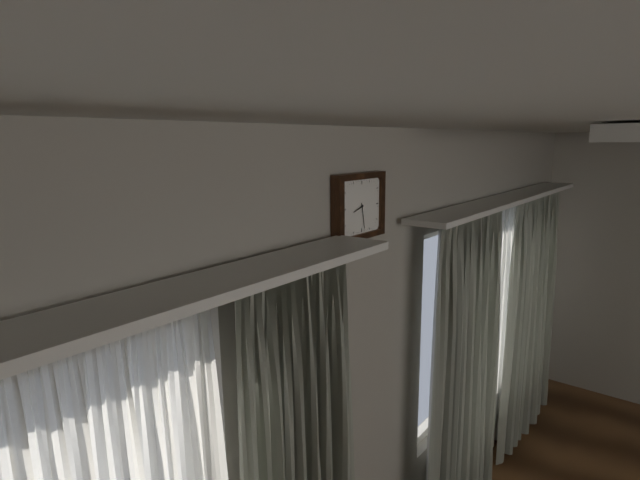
h=8 m=28
